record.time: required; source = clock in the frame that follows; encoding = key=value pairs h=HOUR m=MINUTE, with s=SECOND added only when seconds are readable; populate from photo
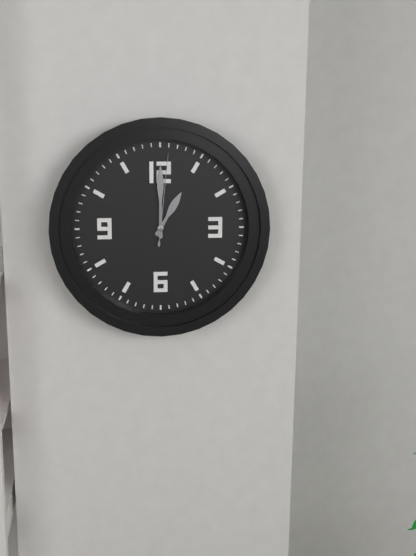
h=1 m=0 s=1
